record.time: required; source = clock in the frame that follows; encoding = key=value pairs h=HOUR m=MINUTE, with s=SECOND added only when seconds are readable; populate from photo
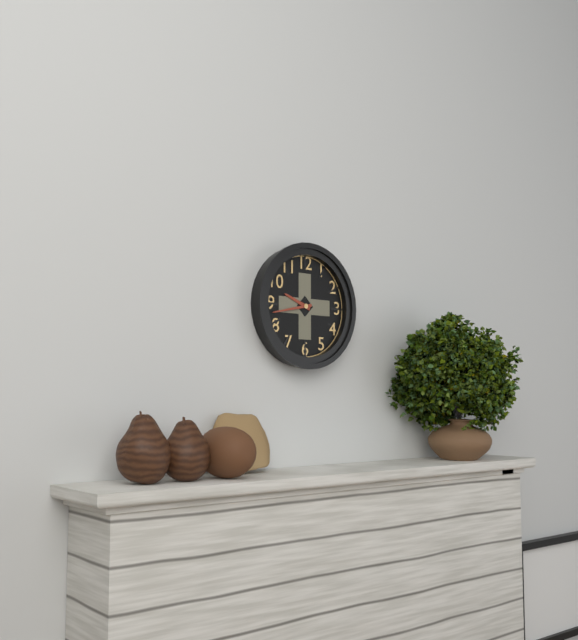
h=9 m=43
